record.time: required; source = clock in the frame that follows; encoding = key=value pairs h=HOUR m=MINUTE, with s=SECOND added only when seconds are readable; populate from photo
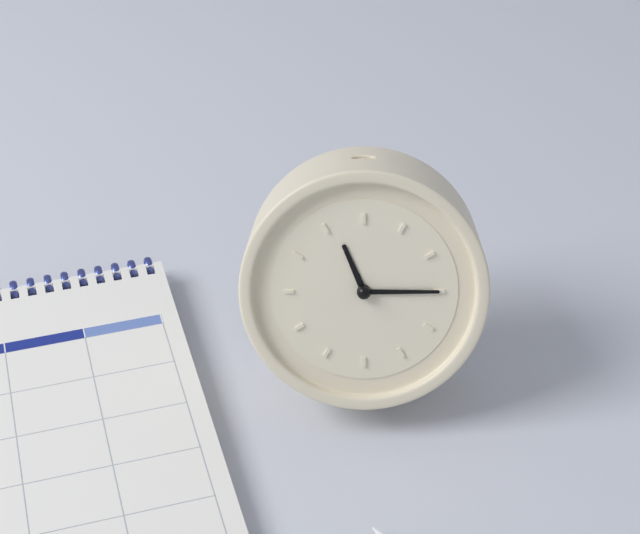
h=11 m=15
